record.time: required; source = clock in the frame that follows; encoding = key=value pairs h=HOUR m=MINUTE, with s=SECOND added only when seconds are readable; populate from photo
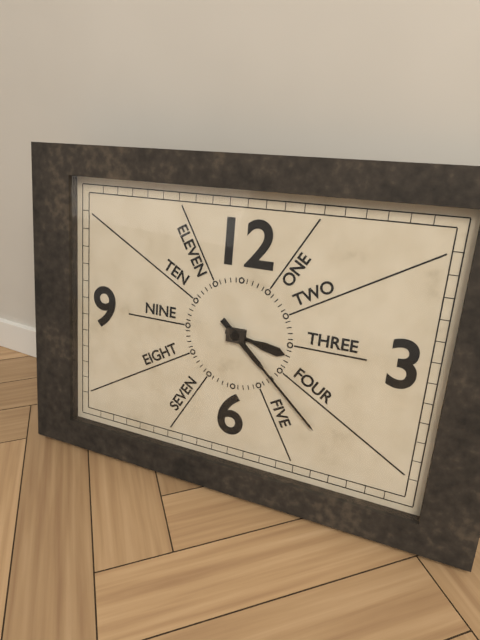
h=3 m=22
